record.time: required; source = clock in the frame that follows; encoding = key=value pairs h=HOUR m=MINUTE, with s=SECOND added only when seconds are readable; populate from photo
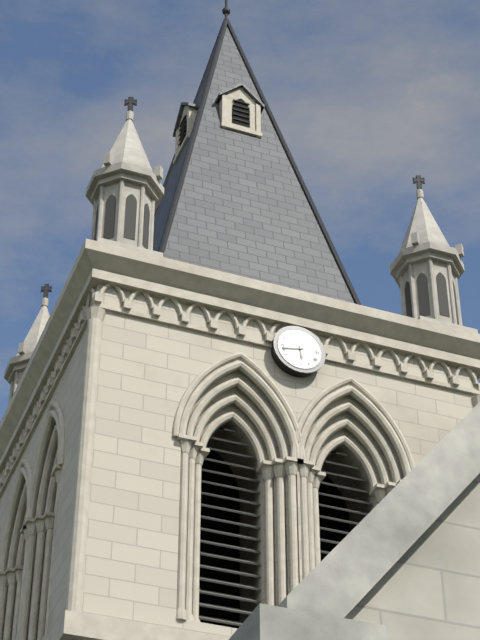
h=5 m=43
